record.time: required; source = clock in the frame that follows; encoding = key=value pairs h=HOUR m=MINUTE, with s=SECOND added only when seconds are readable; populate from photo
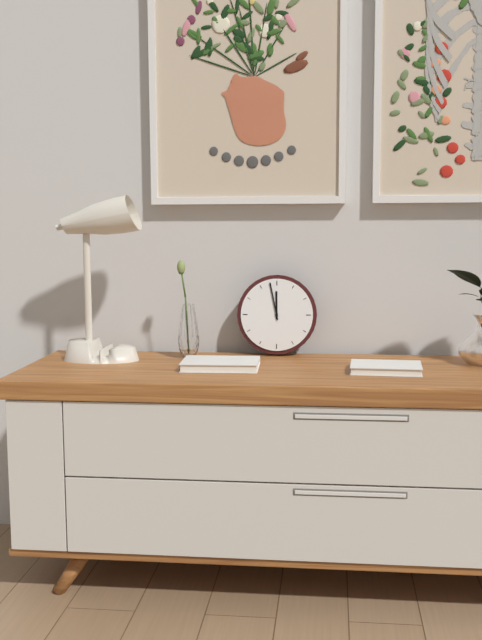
h=11 m=58
